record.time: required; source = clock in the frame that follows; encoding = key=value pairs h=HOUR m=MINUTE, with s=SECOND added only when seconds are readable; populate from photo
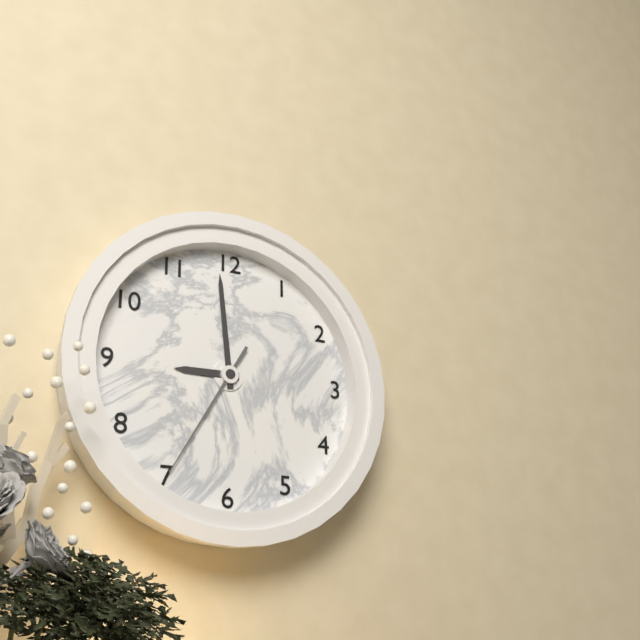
h=8 m=59 s=35
